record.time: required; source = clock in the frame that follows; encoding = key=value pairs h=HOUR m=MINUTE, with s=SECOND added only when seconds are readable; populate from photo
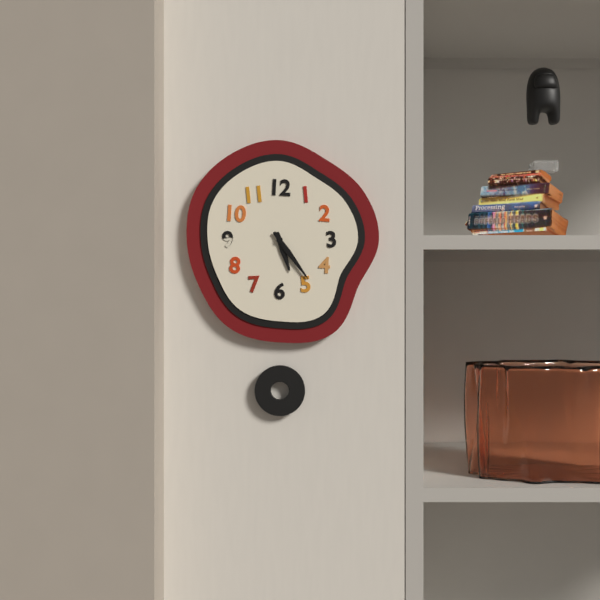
h=5 m=24
